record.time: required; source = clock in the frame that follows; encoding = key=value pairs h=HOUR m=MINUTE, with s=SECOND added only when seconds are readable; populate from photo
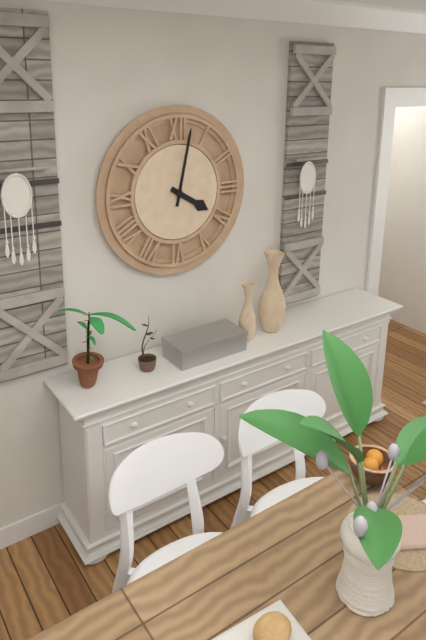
h=4 m=2
